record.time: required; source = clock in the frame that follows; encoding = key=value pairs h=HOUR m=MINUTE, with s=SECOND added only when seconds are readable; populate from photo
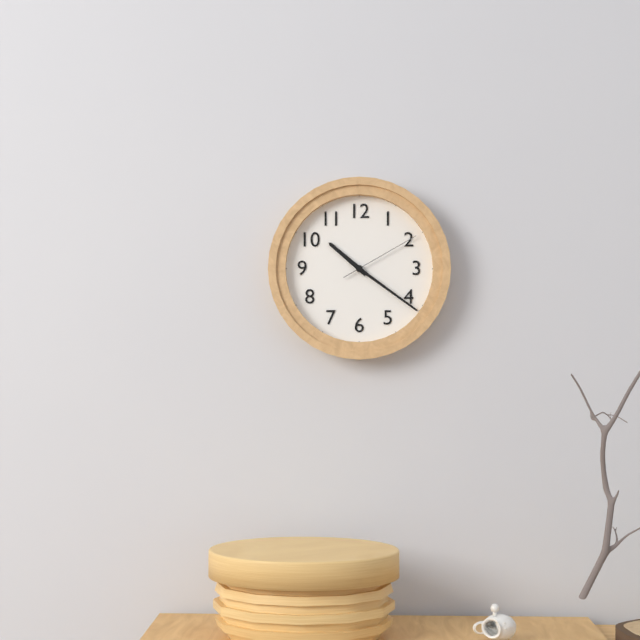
h=10 m=21 s=10
